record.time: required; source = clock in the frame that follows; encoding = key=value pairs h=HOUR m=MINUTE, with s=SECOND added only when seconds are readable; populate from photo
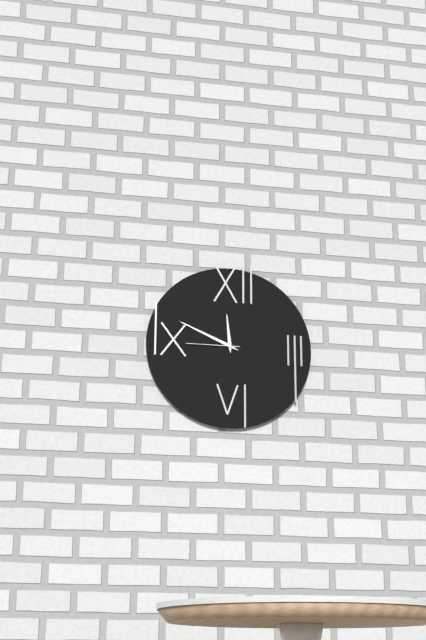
h=11 m=49 s=45
